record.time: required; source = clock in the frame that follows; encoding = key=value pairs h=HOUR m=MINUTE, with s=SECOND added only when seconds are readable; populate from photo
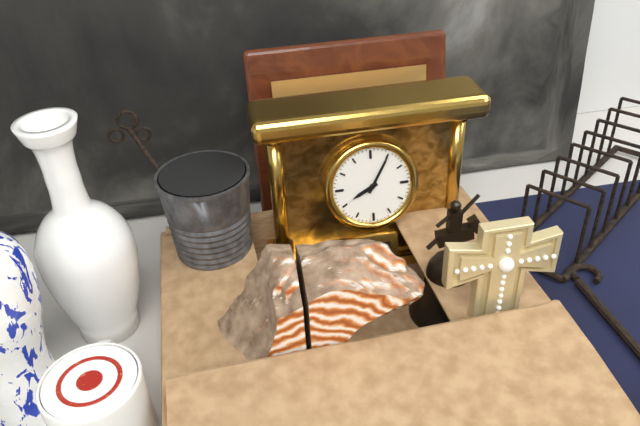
h=8 m=5
